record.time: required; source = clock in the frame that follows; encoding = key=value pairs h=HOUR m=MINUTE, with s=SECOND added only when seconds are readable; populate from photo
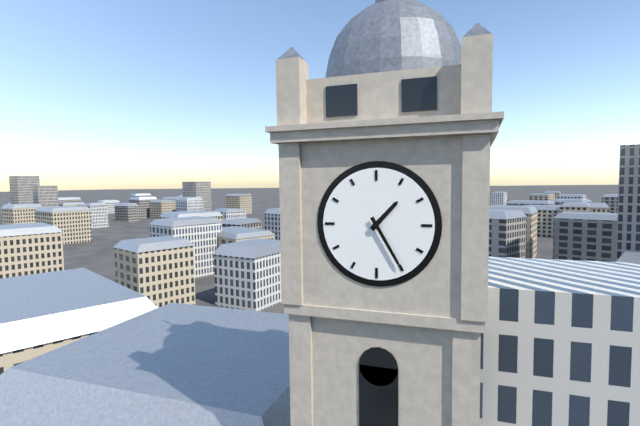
h=1 m=25
